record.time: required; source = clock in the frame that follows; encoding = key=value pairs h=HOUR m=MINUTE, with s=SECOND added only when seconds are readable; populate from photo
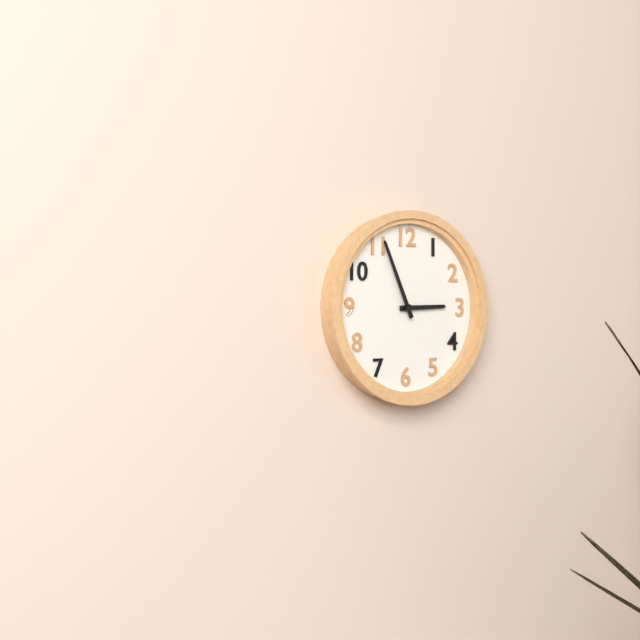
h=2 m=56
